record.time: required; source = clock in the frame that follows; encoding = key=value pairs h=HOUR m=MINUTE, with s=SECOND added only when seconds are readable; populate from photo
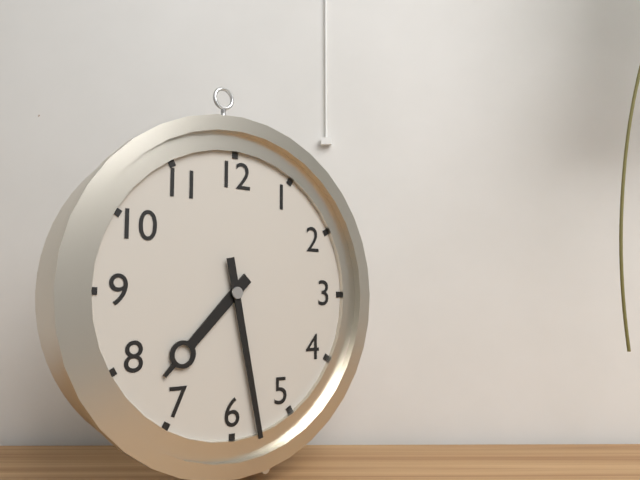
h=7 m=28
